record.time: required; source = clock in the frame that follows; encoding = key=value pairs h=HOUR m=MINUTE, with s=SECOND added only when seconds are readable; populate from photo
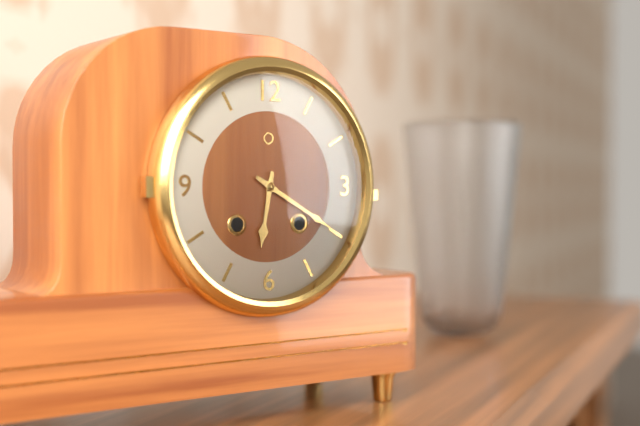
h=6 m=20
